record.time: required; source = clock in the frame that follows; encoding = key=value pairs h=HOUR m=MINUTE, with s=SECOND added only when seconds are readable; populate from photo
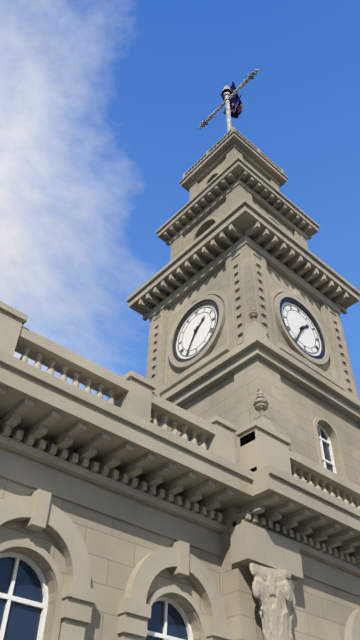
h=1 m=35
